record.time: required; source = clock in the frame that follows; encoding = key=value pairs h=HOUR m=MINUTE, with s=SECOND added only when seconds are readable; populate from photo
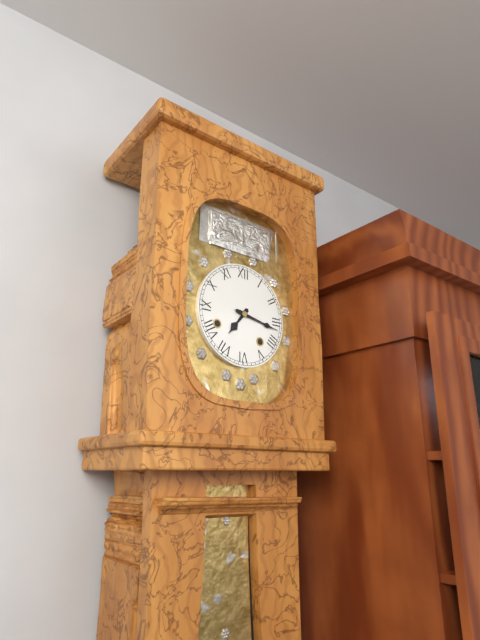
h=7 m=17
